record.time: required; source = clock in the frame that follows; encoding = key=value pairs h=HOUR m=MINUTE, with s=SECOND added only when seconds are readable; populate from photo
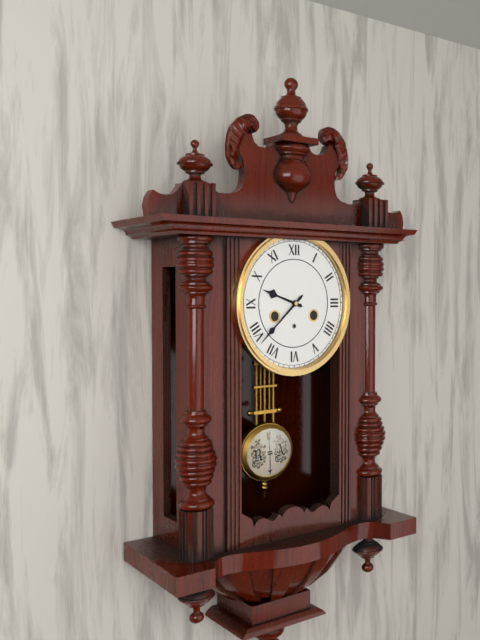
h=9 m=38
